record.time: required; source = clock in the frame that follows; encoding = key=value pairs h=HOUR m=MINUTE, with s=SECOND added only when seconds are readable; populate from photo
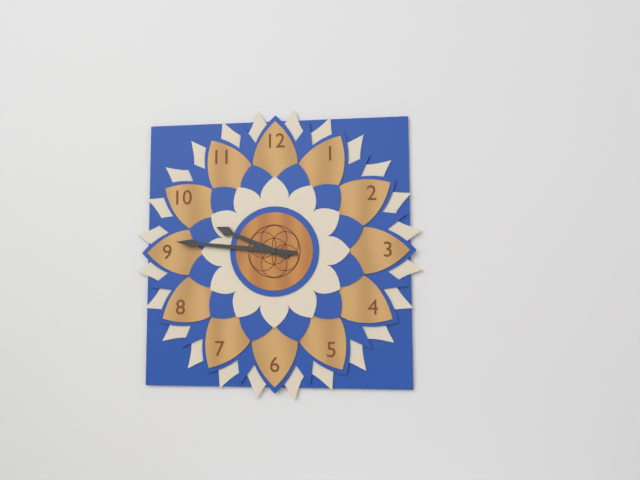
h=9 m=46
